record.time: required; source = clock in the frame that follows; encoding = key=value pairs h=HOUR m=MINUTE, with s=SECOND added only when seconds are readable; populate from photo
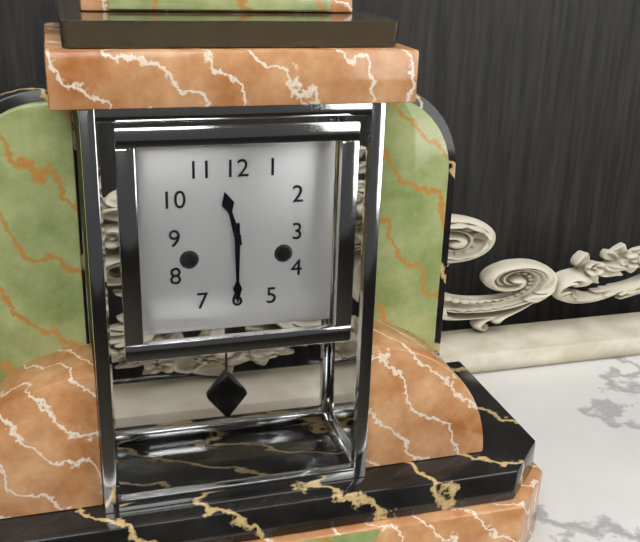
h=11 m=30
